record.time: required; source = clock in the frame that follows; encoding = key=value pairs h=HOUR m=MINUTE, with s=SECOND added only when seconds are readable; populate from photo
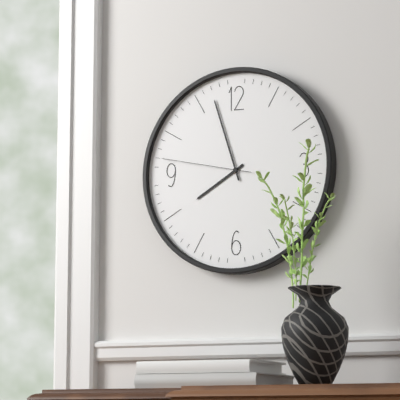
h=7 m=57 s=47
